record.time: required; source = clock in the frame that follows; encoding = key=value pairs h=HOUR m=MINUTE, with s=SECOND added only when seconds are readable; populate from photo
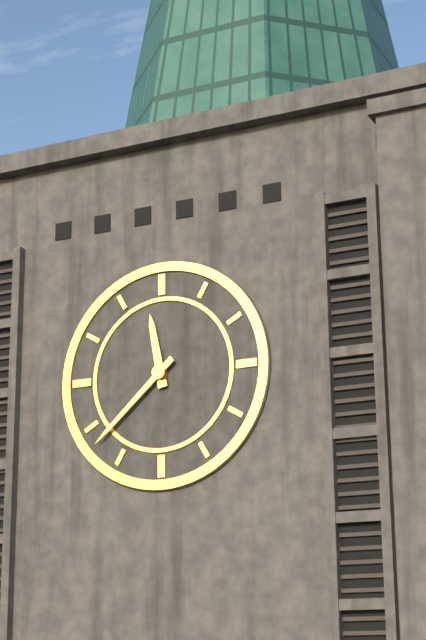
h=11 m=38
